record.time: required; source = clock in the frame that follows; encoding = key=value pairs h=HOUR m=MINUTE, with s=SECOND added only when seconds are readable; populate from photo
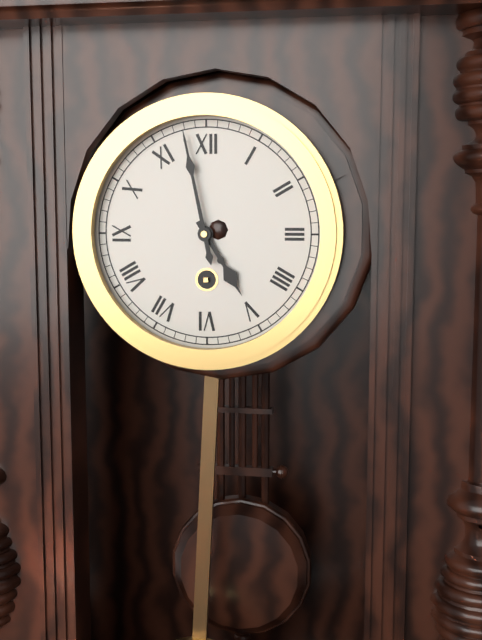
h=4 m=58
